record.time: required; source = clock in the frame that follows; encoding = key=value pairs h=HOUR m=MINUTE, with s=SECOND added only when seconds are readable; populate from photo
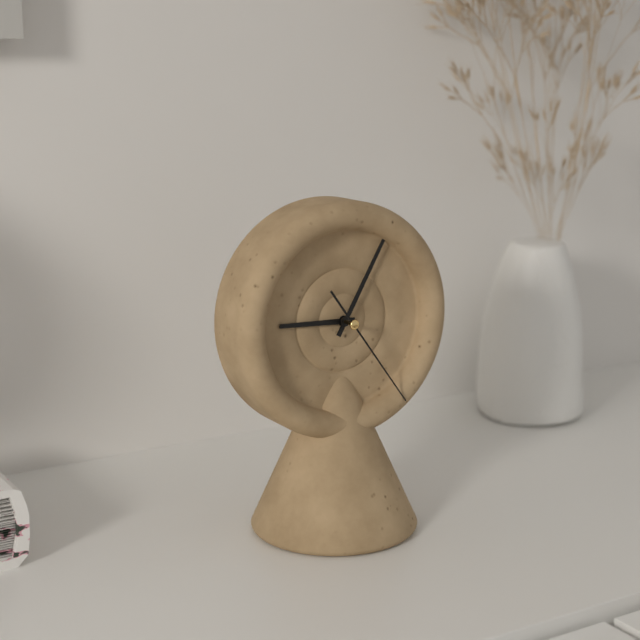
h=9 m=5 s=24
